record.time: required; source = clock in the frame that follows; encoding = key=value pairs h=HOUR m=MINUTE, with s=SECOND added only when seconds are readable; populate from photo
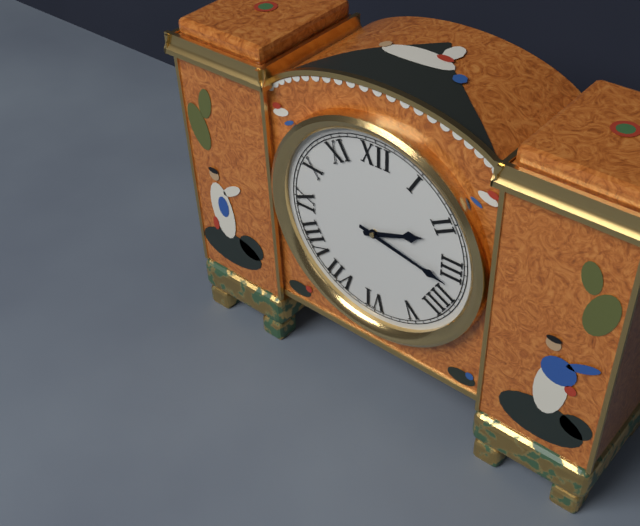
h=2 m=17
